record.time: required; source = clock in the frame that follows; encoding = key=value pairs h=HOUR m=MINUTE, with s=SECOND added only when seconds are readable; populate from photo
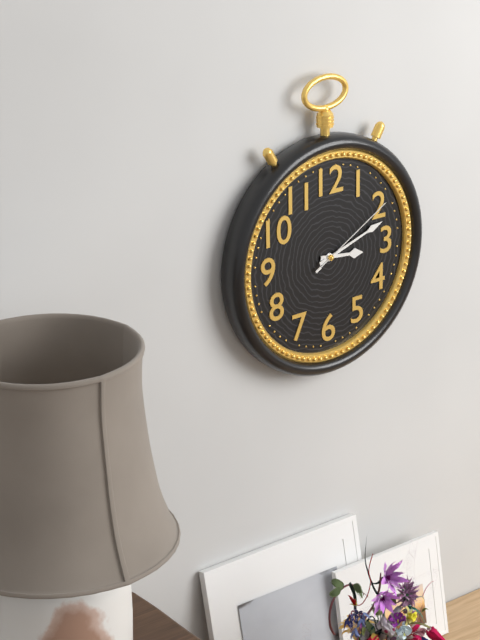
h=3 m=12 s=10
